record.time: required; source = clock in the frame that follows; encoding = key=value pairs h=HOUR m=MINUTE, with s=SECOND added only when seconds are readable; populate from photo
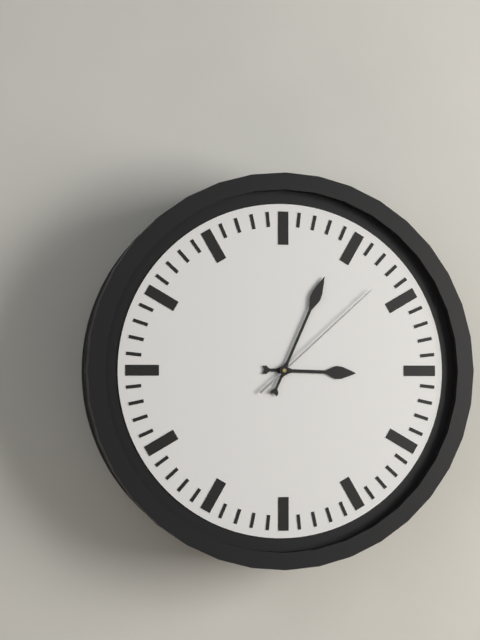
h=3 m=4 s=8
